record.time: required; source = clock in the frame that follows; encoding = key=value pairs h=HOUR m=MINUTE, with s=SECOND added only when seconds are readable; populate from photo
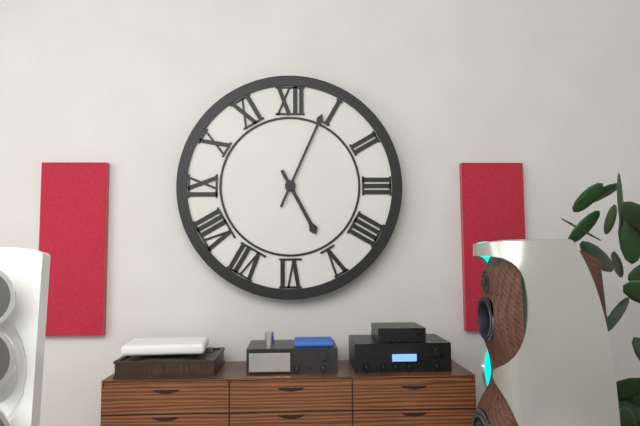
h=5 m=4
